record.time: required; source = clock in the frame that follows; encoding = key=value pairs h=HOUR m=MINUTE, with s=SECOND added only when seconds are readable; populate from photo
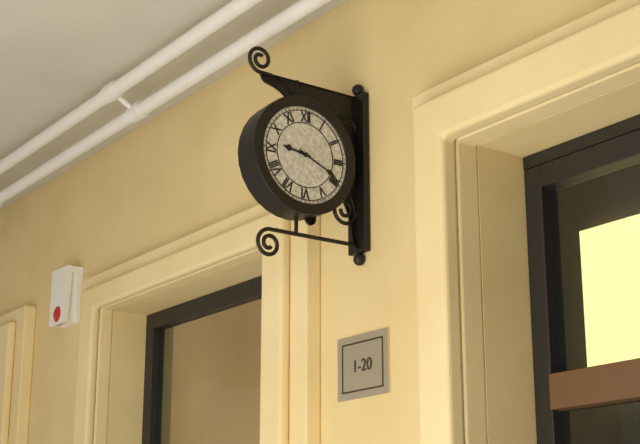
h=9 m=19
